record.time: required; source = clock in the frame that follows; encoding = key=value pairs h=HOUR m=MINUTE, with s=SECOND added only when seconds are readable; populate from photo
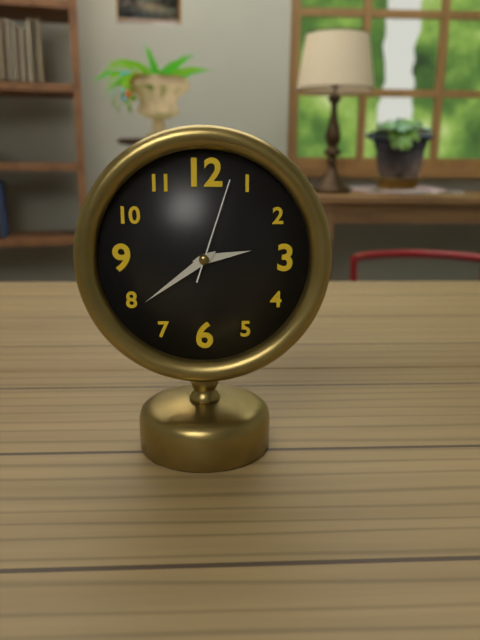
h=2 m=39 s=3
